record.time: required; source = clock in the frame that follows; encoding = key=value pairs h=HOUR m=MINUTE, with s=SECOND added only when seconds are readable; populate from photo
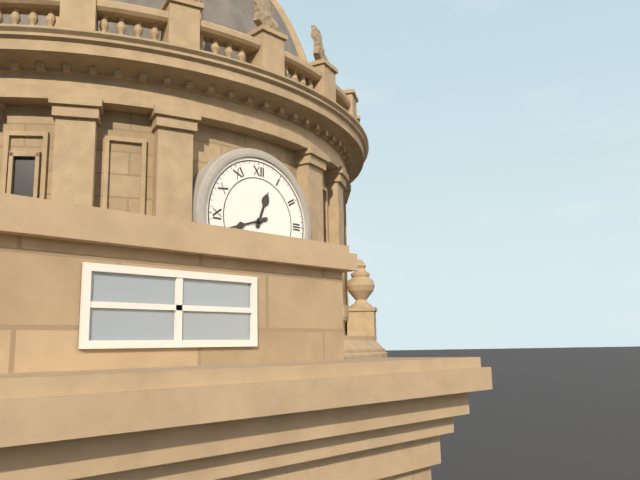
h=12 m=42
